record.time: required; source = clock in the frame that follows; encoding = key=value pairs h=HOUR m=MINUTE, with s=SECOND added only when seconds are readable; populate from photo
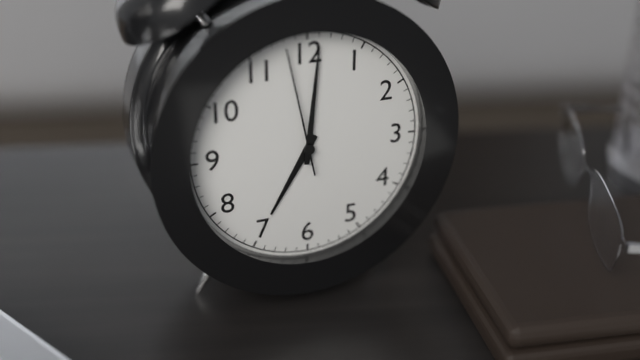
h=7 m=1 s=58
